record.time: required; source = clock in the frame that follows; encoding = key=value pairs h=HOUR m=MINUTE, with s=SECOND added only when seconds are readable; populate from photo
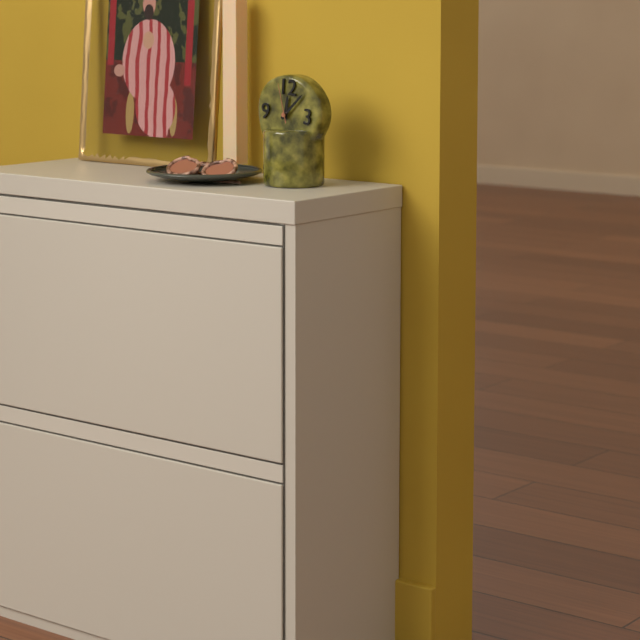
h=12 m=7
